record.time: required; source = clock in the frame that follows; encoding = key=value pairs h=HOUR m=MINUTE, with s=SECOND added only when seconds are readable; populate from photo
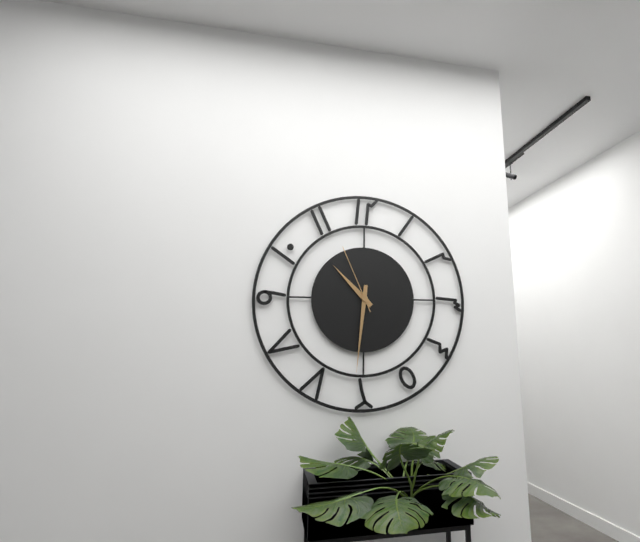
h=10 m=31 s=56
